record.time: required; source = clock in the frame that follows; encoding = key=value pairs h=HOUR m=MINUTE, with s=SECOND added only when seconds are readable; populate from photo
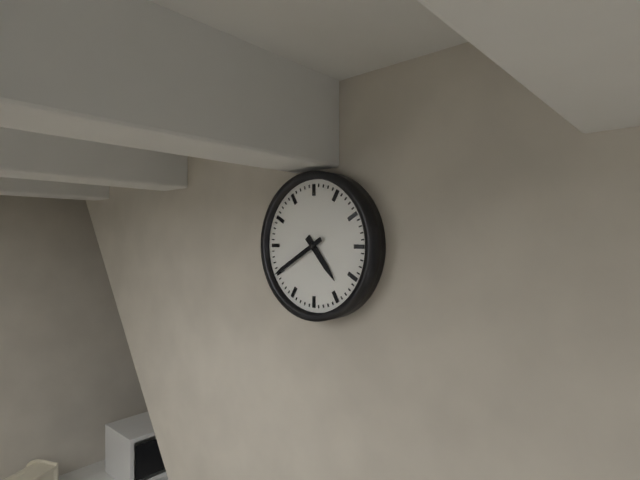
h=4 m=40
